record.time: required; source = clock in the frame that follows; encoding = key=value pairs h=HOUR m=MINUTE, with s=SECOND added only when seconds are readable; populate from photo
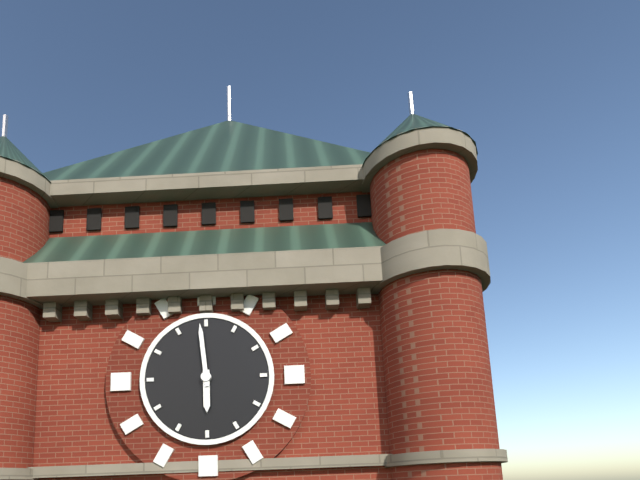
h=5 m=59
